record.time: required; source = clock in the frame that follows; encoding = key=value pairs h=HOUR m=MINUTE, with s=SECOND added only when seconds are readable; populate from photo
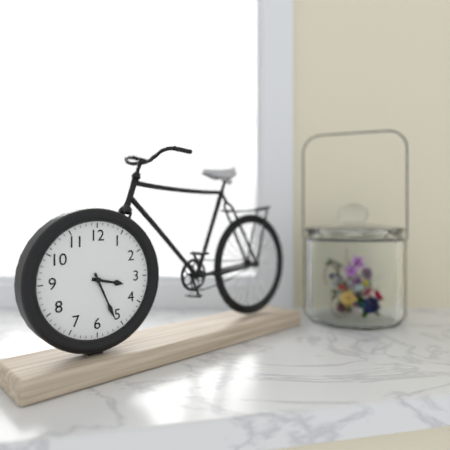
h=3 m=26
